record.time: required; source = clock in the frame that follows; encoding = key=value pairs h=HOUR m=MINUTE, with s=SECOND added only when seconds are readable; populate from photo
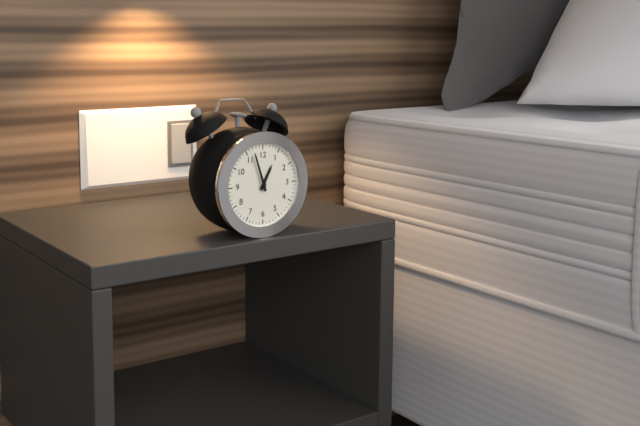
h=12 m=57
